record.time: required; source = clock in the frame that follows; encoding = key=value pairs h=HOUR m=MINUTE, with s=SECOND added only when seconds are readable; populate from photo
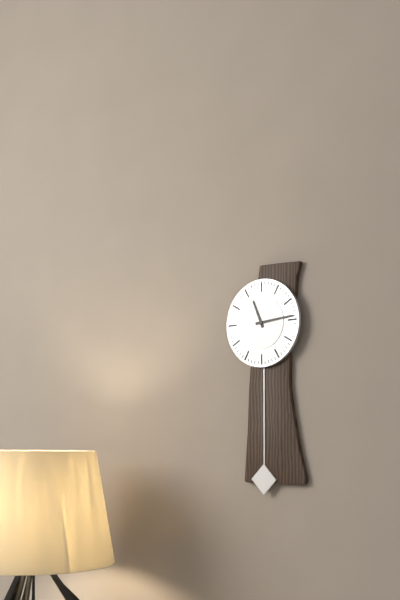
h=11 m=14
